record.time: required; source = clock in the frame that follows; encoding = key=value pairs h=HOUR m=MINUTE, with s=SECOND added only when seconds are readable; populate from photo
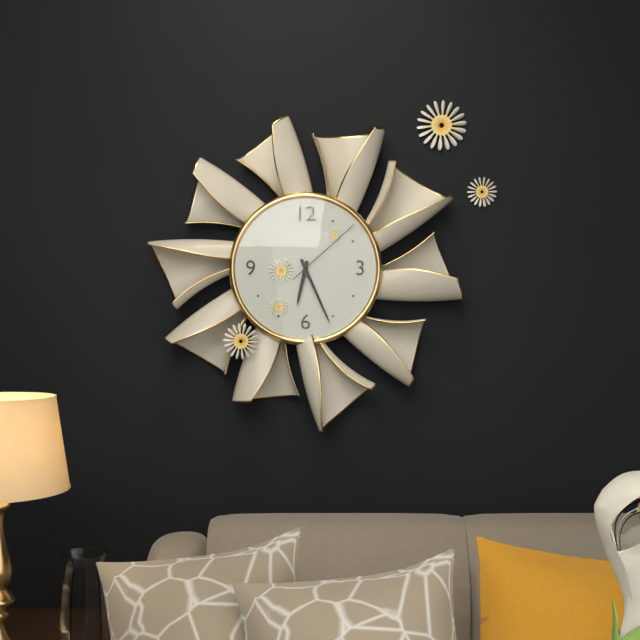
h=6 m=26 s=8
